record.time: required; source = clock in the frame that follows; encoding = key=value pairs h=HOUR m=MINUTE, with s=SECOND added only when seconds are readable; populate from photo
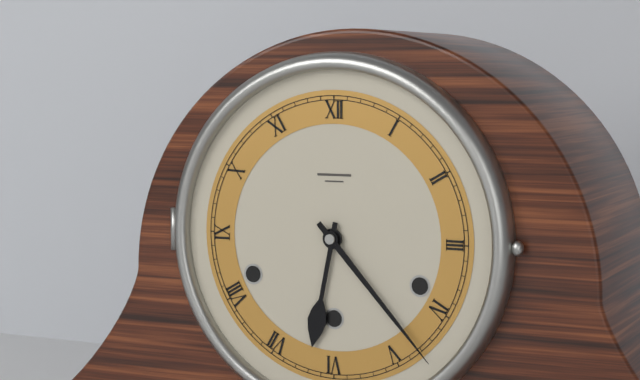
h=6 m=23
